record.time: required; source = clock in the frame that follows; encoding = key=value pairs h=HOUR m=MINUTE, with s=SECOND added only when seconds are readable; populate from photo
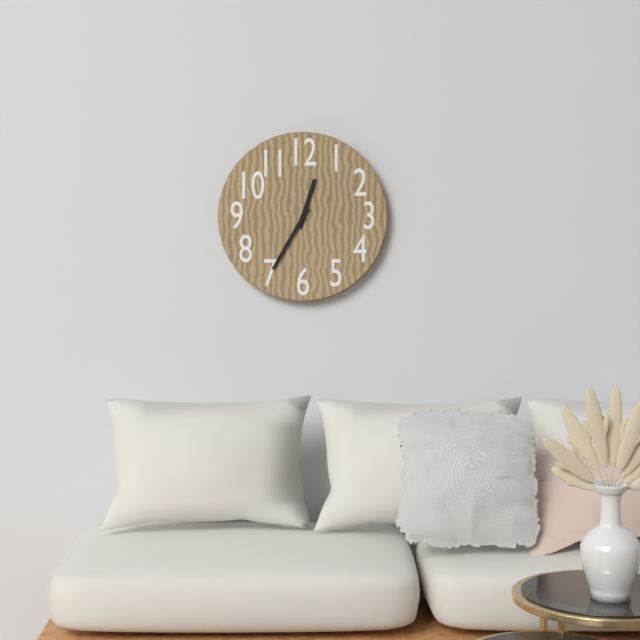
h=12 m=35
